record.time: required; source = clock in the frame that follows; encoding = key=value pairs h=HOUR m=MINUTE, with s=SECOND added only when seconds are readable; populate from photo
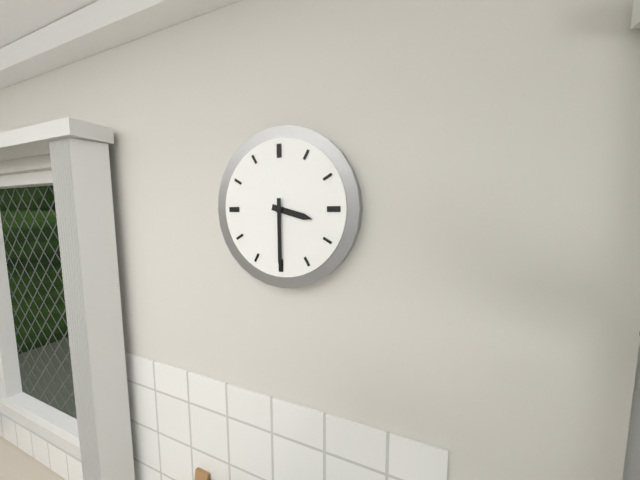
h=3 m=30
